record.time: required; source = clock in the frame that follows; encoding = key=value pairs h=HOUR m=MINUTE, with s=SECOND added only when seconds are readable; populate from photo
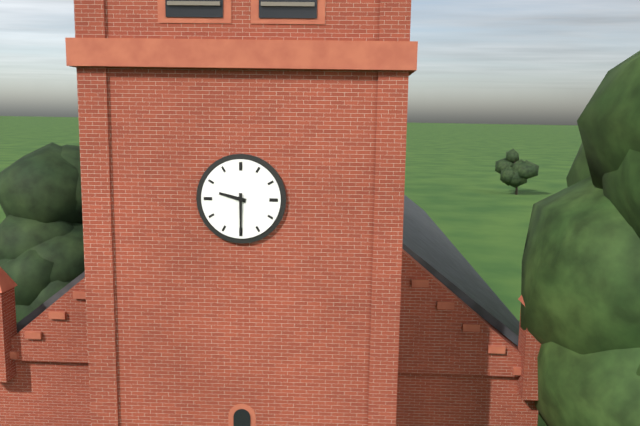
h=9 m=30
